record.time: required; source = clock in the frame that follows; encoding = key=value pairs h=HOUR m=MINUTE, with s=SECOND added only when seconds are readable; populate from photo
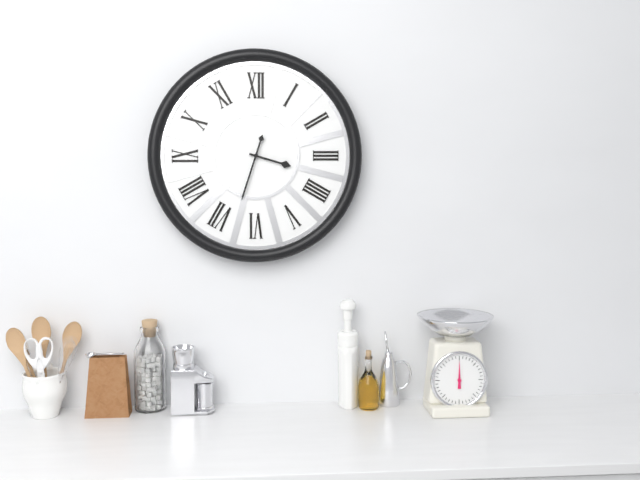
h=3 m=33
